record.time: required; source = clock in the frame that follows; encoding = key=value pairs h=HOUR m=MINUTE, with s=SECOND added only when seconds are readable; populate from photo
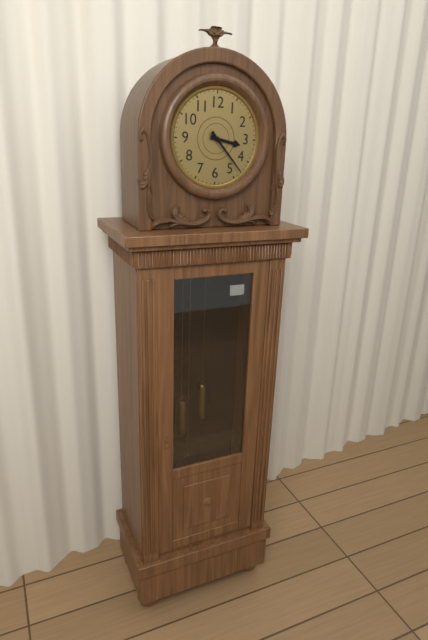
h=3 m=23
